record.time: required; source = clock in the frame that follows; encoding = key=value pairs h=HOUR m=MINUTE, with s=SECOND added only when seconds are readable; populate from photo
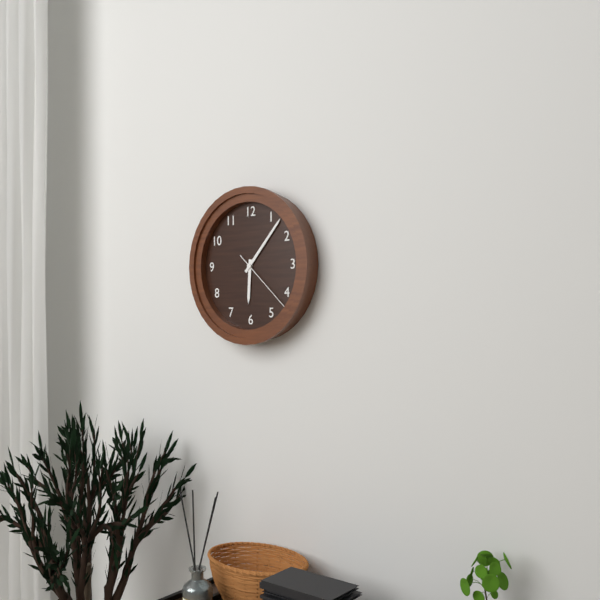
h=6 m=7 s=22
